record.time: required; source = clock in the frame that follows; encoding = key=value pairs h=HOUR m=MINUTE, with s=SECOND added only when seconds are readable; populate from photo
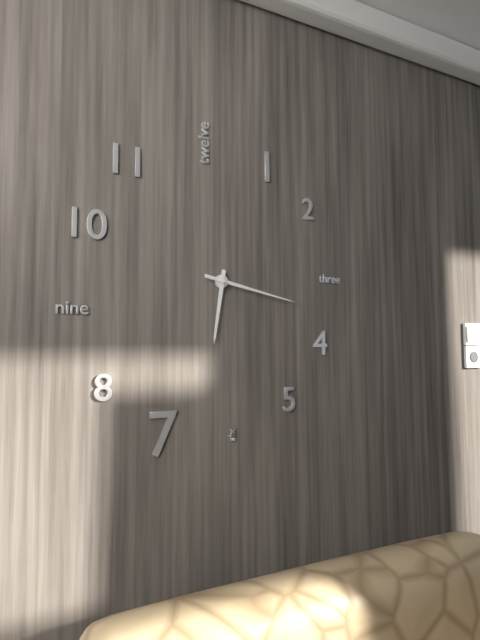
h=6 m=17
